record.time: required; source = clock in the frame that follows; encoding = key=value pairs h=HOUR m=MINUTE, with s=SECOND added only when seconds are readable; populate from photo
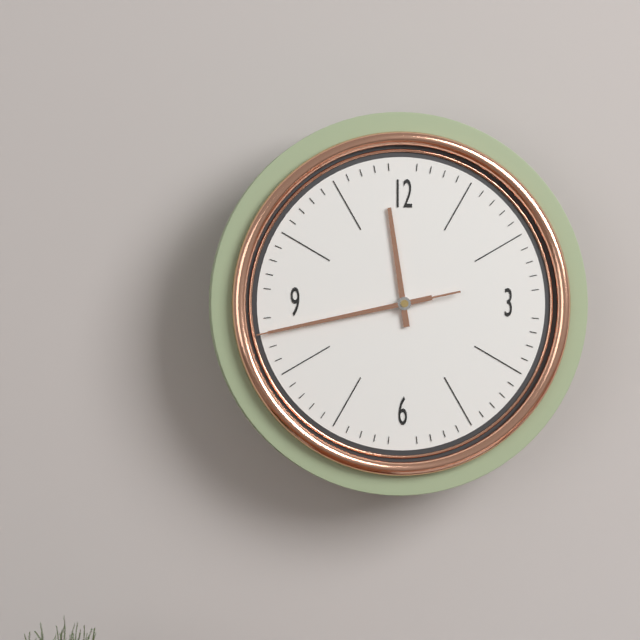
h=11 m=43 s=43
